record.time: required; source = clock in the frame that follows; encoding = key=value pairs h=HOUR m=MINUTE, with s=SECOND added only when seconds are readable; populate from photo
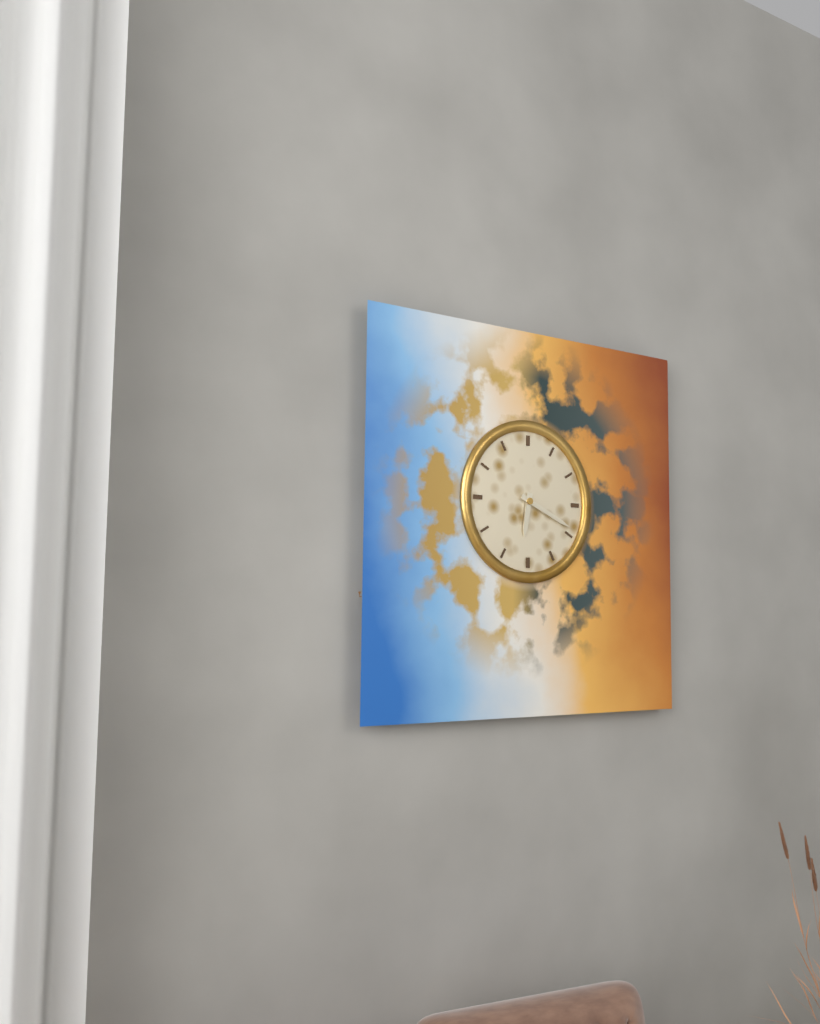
h=6 m=19
